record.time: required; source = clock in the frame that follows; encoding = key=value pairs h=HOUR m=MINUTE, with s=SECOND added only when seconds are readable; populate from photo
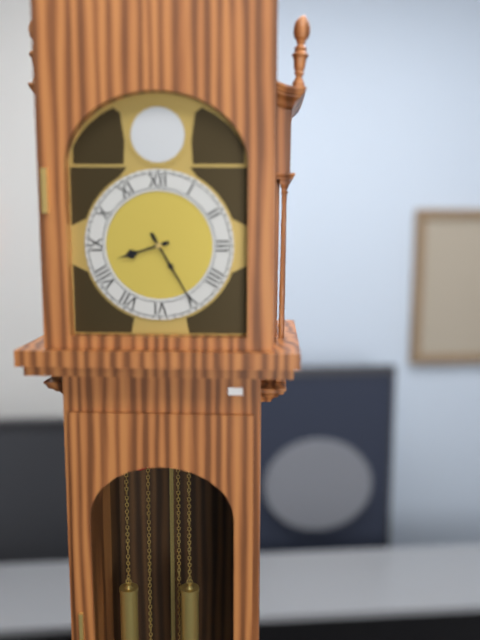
h=8 m=25
